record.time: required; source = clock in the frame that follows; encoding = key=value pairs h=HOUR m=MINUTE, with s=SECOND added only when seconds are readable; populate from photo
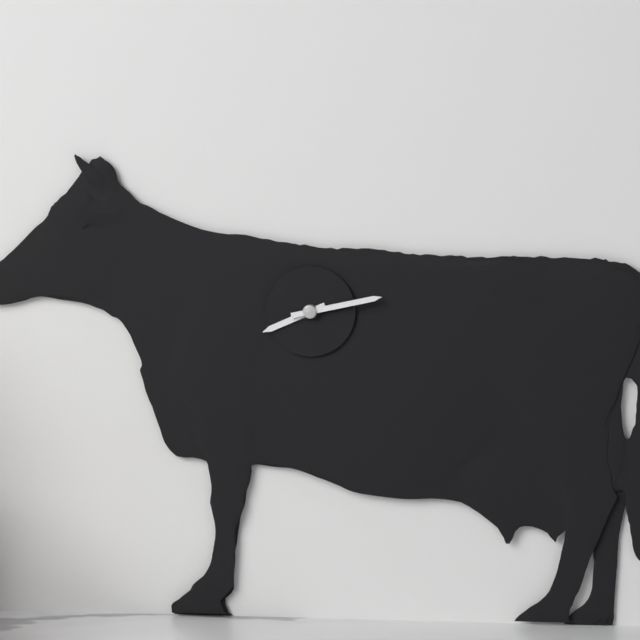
h=8 m=13
